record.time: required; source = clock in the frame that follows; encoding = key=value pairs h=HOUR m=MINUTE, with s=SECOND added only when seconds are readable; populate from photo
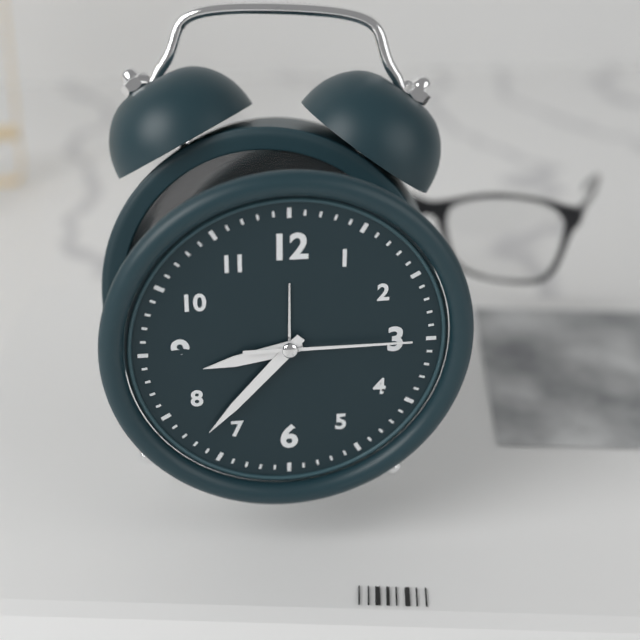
h=8 m=37 s=15
